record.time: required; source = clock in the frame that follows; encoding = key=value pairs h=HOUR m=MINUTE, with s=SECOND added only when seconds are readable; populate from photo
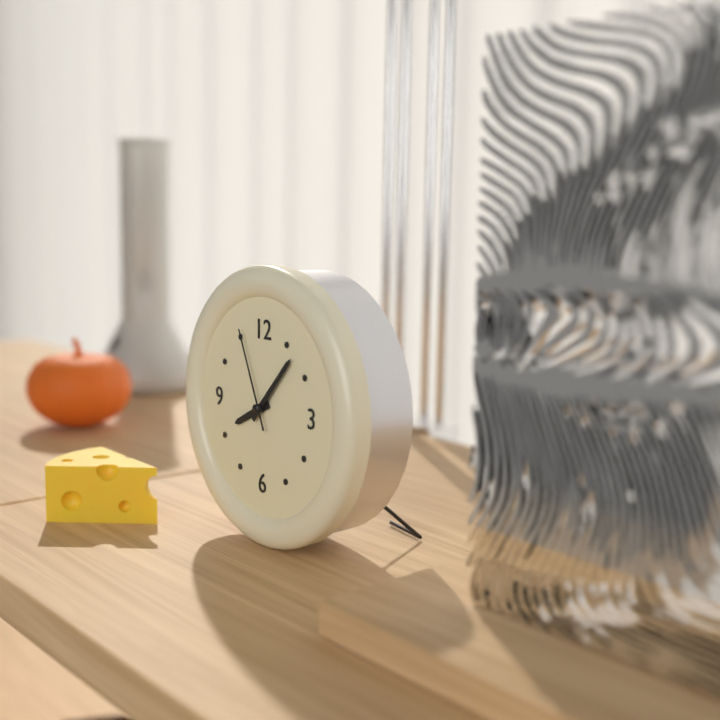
h=8 m=7 s=56
